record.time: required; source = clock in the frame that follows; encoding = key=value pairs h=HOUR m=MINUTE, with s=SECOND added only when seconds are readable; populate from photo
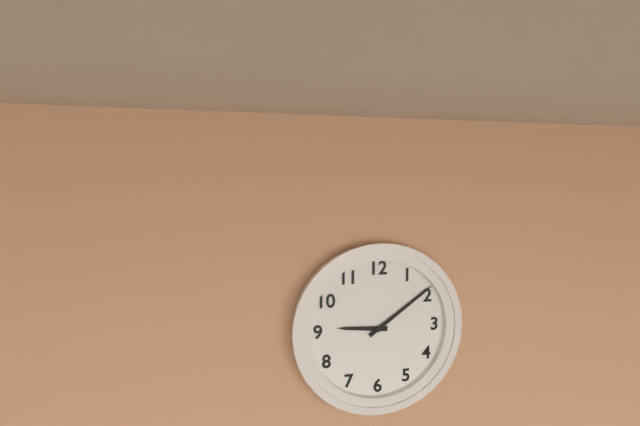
h=9 m=9
